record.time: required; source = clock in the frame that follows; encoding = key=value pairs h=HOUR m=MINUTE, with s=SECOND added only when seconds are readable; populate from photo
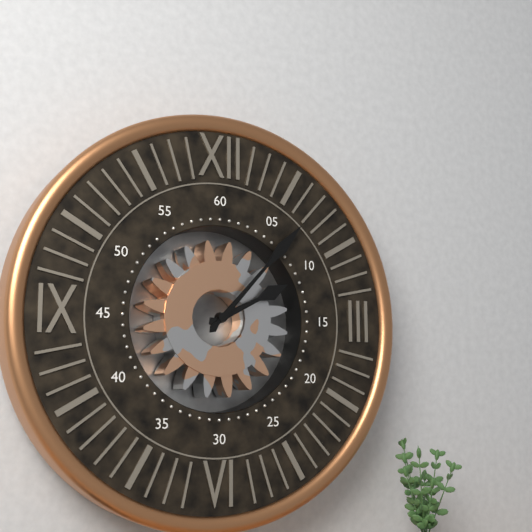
h=2 m=7
